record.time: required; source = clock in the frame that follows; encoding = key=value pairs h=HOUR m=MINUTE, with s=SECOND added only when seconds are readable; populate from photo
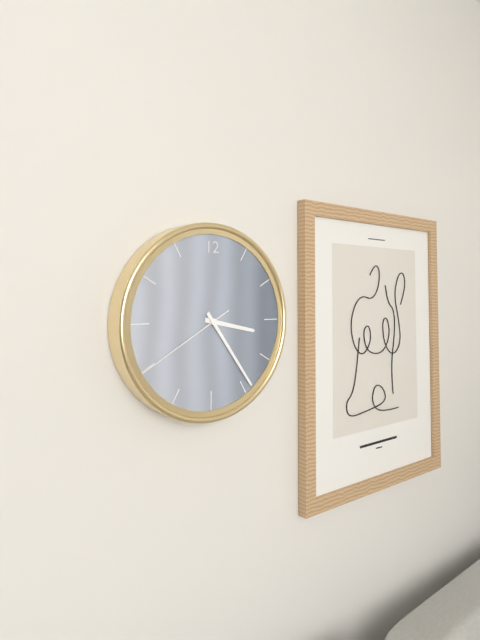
h=3 m=24 s=40
